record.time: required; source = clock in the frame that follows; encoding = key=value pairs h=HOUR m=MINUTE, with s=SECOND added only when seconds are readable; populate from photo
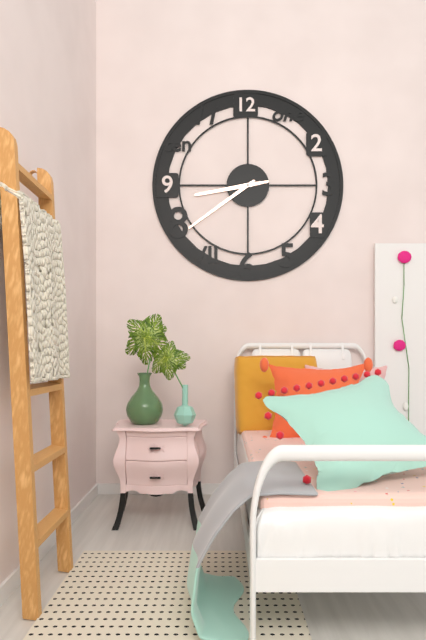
h=8 m=39
